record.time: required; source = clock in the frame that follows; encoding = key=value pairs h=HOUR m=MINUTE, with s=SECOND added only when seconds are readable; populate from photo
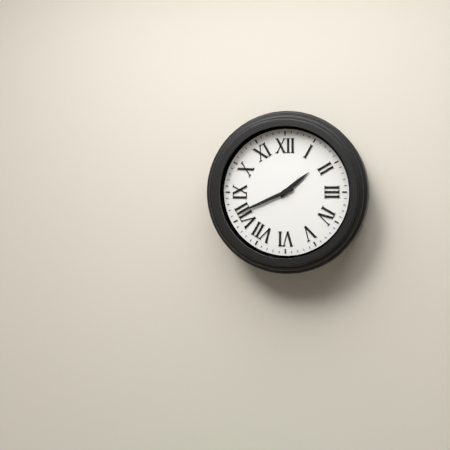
h=1 m=41
